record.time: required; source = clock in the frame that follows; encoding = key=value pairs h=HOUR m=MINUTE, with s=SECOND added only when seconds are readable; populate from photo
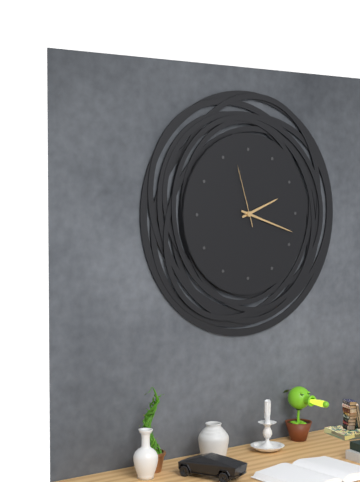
h=2 m=18 s=57
